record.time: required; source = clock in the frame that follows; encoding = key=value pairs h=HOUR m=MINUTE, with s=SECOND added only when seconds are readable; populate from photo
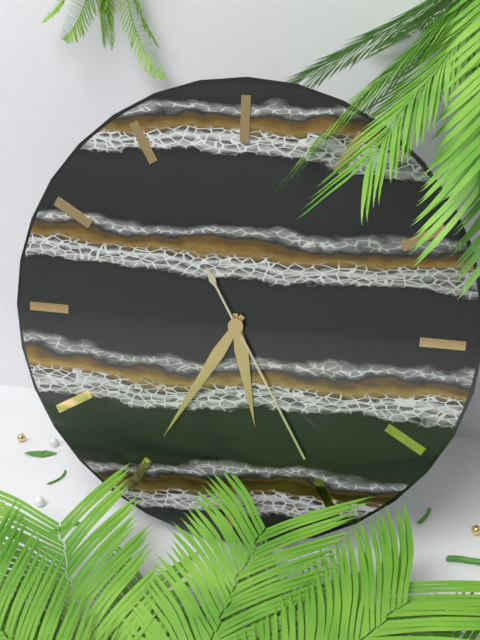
h=5 m=35 s=25
